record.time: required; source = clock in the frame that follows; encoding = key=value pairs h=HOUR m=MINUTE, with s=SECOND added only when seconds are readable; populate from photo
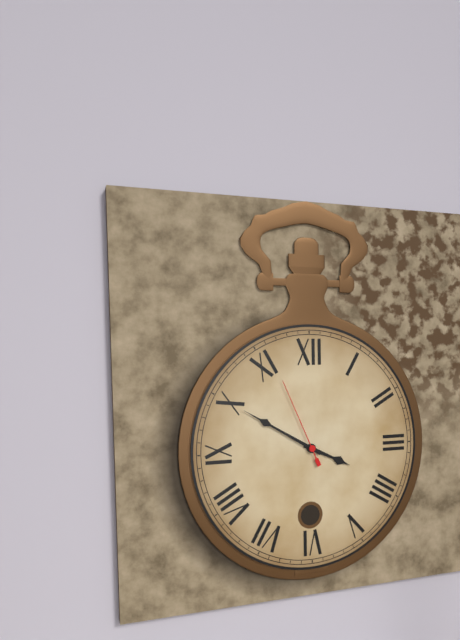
h=3 m=50 s=56
